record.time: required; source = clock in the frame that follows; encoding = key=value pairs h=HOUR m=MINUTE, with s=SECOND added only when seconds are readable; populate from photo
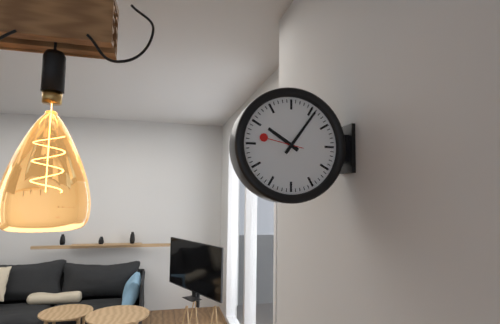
h=10 m=6
